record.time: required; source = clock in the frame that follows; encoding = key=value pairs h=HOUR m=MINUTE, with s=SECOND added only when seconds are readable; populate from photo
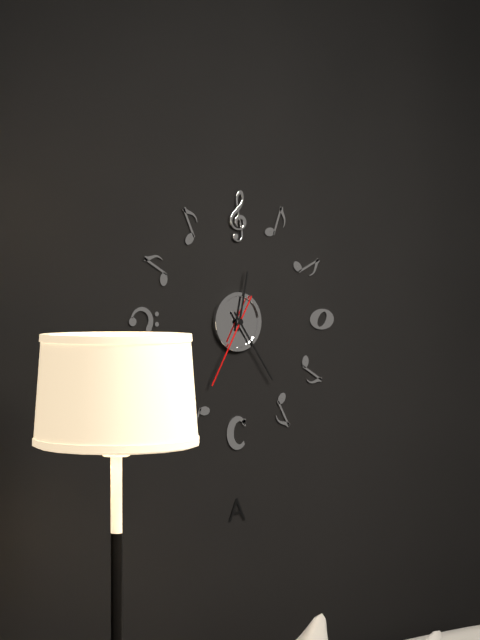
h=12 m=24 s=35
